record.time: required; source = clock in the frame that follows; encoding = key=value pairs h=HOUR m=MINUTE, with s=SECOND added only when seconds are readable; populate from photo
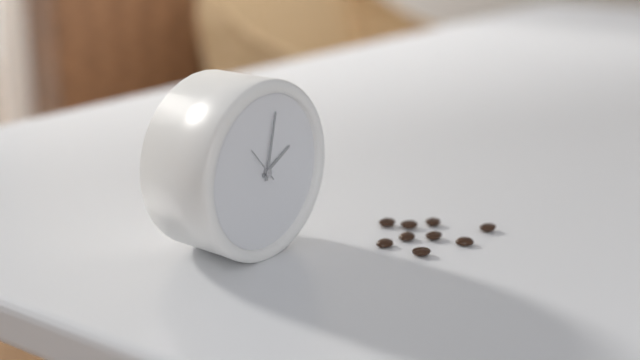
h=2 m=2
